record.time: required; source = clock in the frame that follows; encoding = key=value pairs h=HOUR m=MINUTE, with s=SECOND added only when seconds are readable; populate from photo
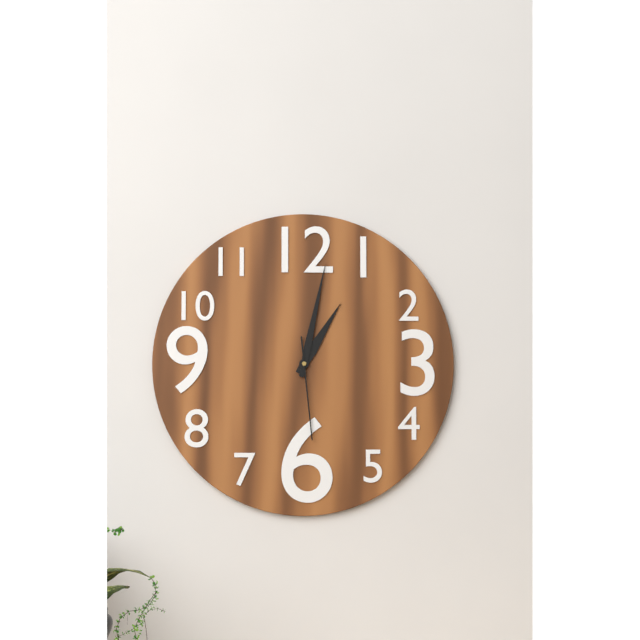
h=1 m=2 s=29
